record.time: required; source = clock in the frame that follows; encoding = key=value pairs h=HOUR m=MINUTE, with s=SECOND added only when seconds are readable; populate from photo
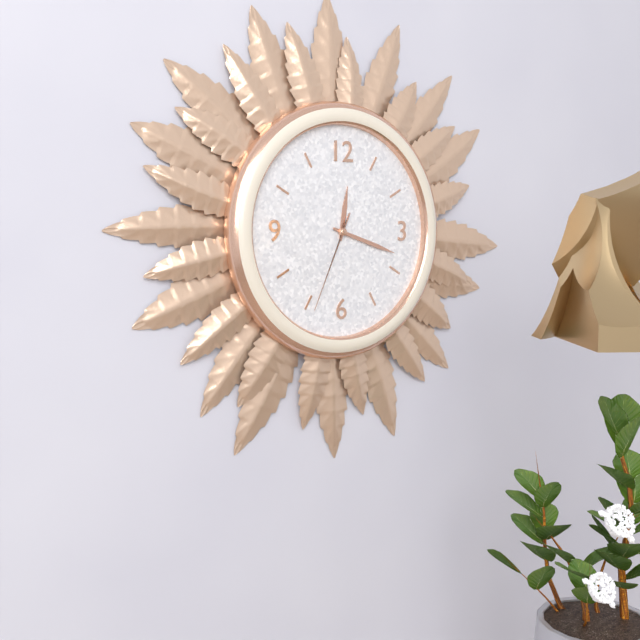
h=12 m=18 s=34
